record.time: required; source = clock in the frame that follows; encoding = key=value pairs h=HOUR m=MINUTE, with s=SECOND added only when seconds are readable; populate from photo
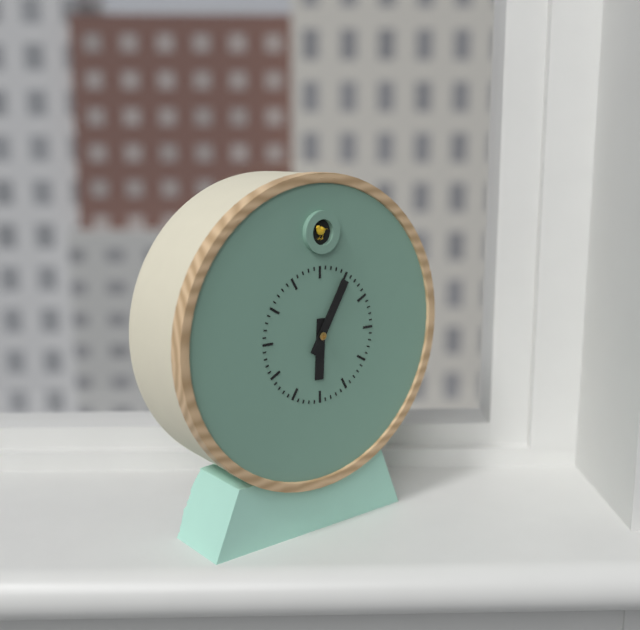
h=6 m=5
